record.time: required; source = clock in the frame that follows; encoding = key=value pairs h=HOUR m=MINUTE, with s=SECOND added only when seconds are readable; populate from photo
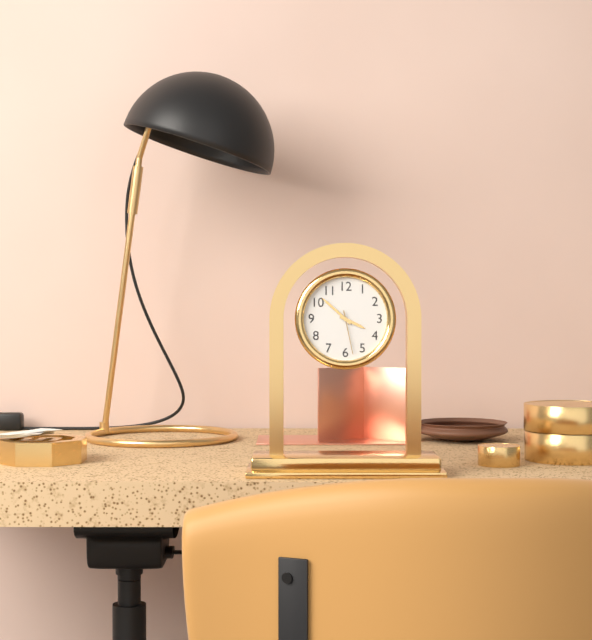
h=3 m=52
